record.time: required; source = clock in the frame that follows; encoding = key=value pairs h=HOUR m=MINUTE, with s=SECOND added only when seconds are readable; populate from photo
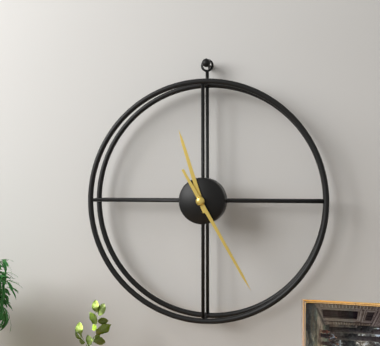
h=11 m=25
